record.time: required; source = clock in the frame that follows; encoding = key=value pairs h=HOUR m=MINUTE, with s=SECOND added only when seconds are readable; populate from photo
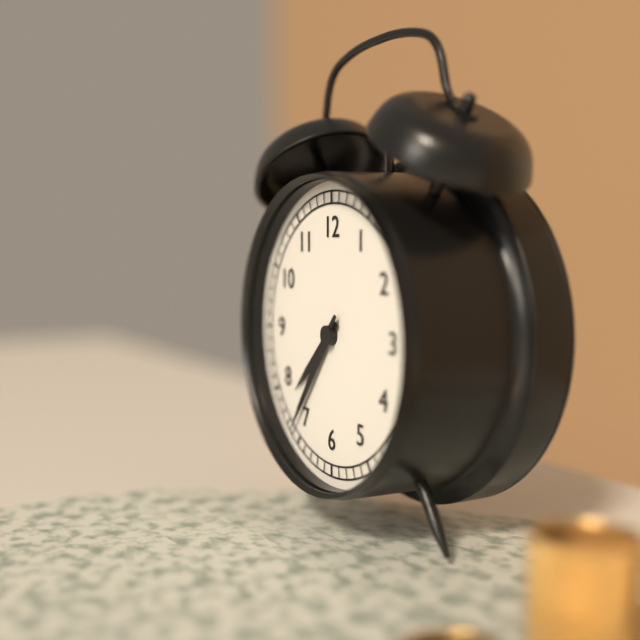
h=7 m=36
